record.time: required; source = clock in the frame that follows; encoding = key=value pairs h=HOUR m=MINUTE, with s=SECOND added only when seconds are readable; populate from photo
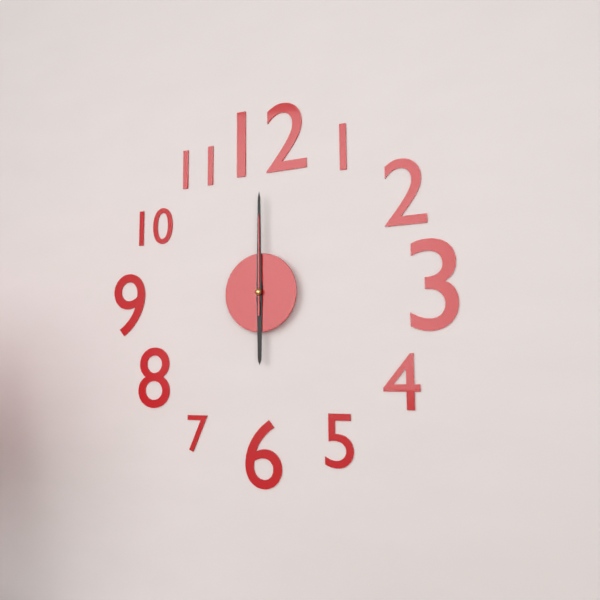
h=6 m=0 s=0
